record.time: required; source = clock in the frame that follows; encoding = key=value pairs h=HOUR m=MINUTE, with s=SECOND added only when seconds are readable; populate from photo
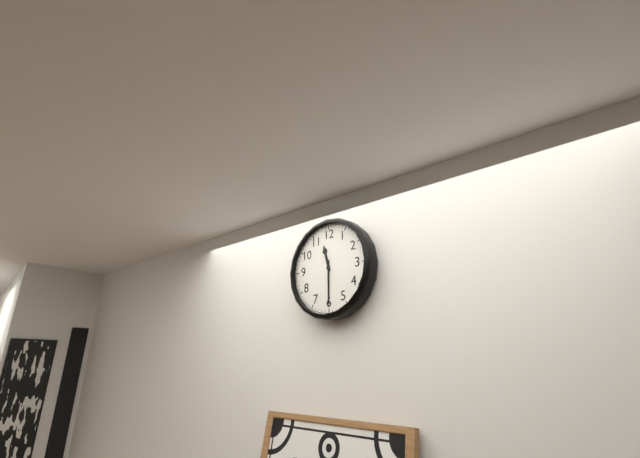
h=11 m=30
